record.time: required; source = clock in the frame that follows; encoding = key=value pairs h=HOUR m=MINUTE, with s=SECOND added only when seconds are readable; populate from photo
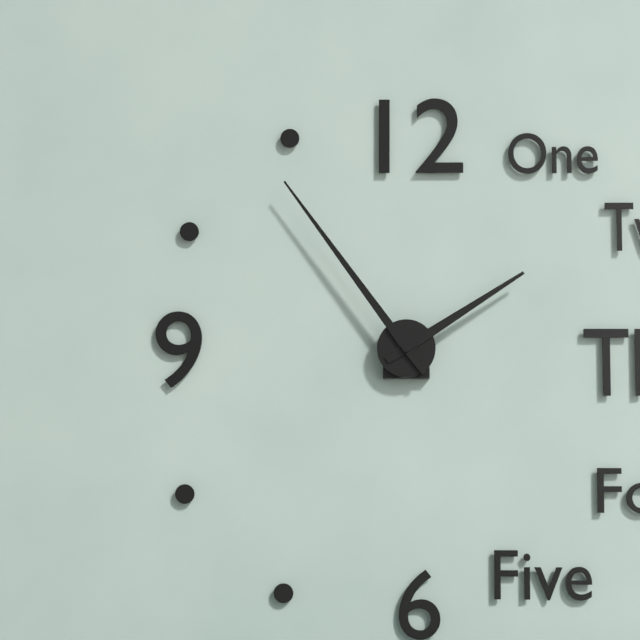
h=1 m=54
